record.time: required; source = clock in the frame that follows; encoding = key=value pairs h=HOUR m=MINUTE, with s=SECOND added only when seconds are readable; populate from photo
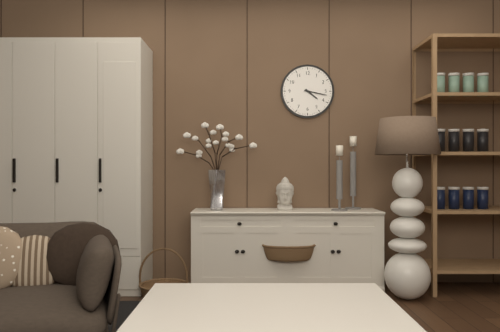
h=4 m=17
